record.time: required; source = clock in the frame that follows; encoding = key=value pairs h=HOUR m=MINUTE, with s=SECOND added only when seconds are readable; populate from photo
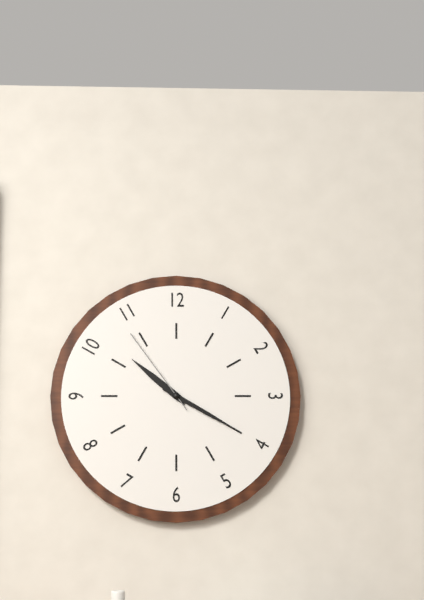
h=10 m=20 s=54
